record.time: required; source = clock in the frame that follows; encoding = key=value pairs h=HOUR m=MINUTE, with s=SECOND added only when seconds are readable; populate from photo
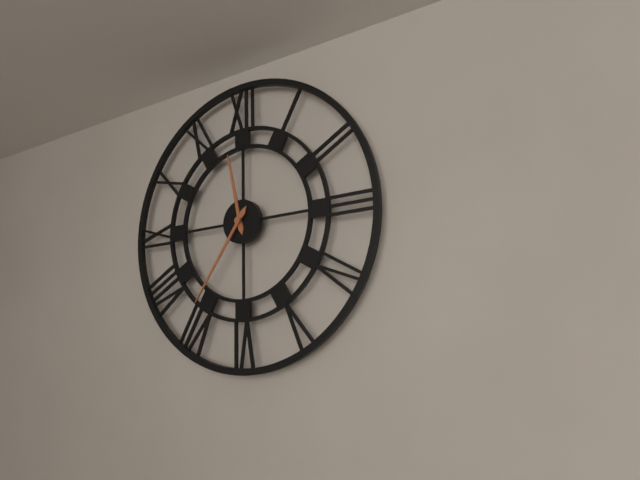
h=11 m=36
